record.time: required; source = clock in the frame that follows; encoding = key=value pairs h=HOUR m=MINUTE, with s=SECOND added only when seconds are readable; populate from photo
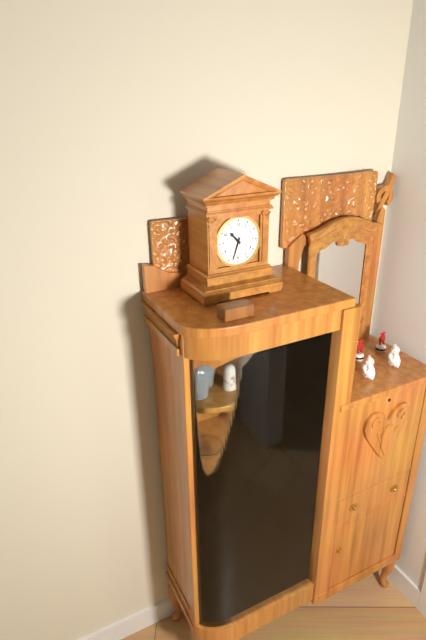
h=10 m=33
